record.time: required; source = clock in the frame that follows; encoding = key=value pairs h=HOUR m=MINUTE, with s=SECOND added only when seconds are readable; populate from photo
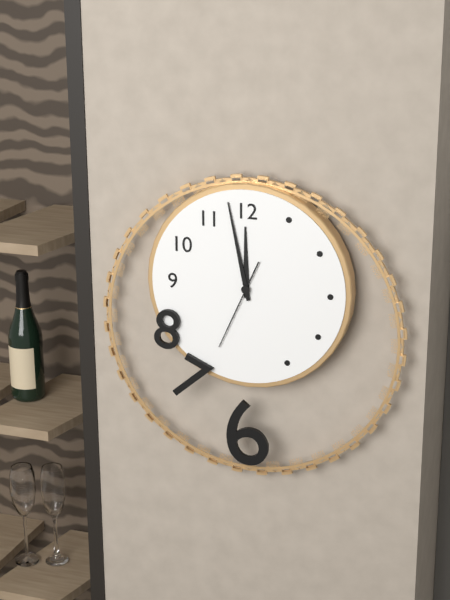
h=11 m=58 s=34
